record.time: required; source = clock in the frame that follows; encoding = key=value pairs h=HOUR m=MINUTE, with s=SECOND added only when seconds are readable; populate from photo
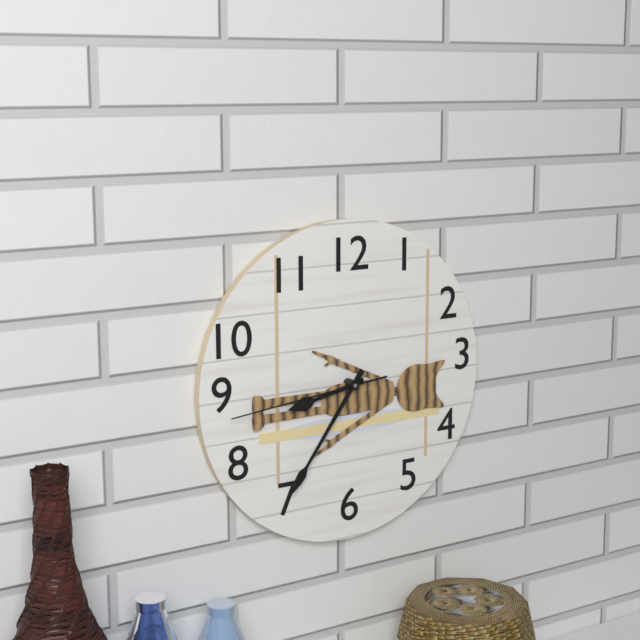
h=8 m=36 s=44
